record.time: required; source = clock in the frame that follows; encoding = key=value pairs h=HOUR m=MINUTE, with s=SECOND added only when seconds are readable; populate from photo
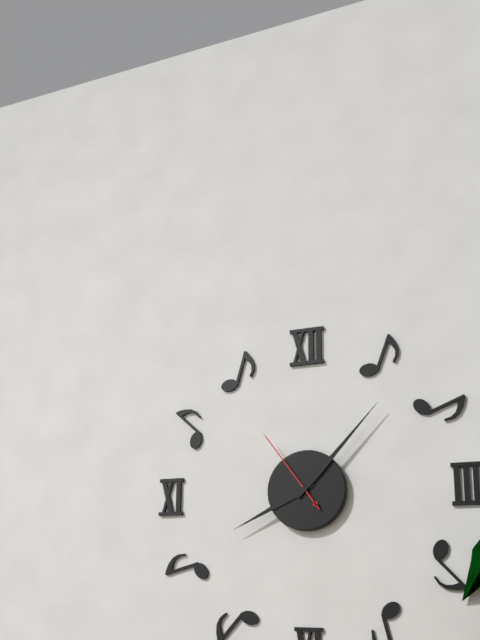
h=8 m=7 s=54
